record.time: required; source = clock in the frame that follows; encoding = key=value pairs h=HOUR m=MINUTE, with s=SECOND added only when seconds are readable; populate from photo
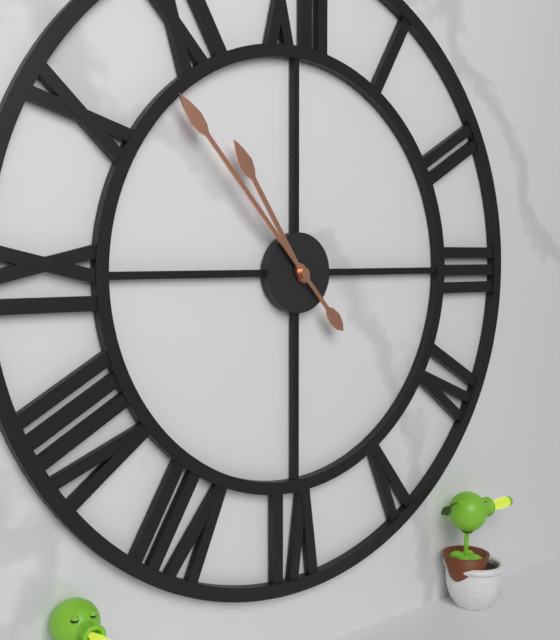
h=10 m=53
